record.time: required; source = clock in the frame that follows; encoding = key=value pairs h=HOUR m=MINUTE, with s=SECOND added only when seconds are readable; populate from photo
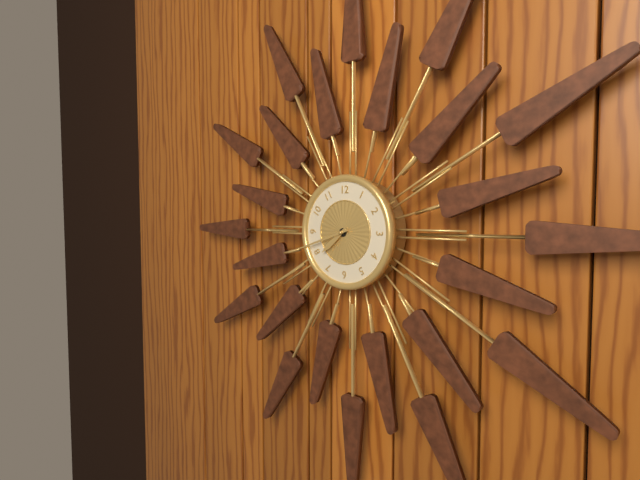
h=7 m=42
